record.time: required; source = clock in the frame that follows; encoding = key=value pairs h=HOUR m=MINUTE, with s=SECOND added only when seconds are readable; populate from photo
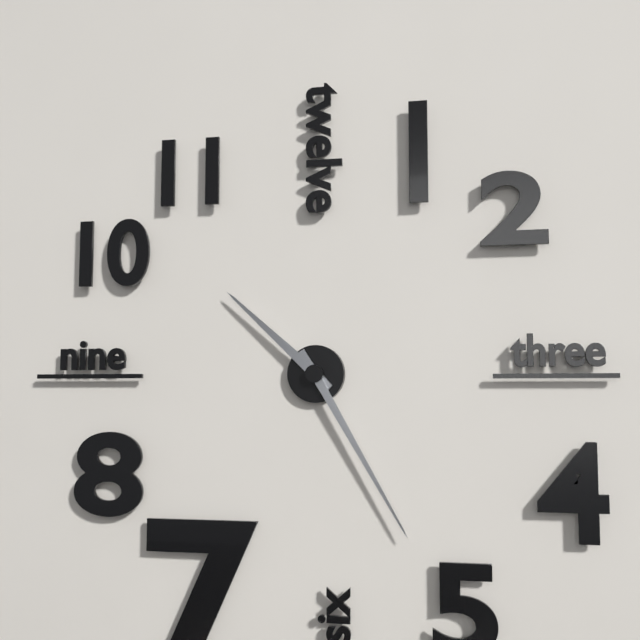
h=10 m=25
